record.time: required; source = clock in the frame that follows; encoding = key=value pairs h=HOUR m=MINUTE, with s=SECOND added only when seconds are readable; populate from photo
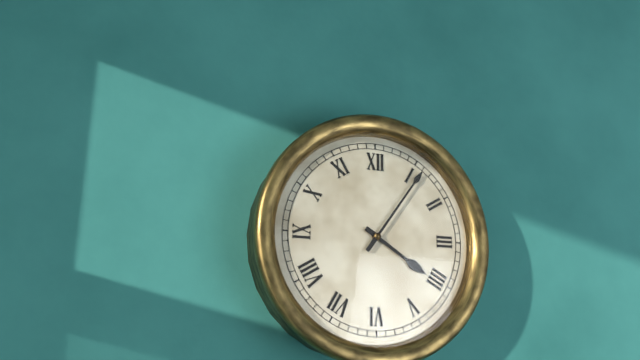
h=4 m=6
